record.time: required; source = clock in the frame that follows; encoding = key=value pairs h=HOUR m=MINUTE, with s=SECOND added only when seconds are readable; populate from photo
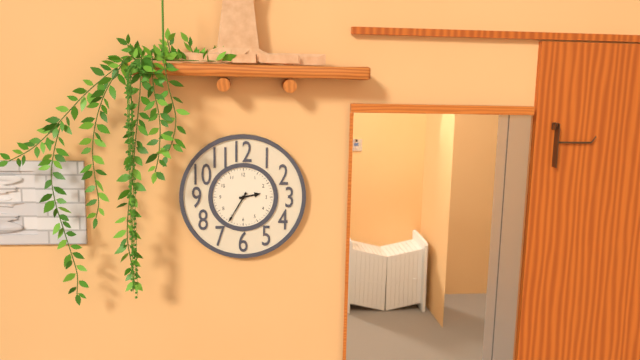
h=2 m=35
